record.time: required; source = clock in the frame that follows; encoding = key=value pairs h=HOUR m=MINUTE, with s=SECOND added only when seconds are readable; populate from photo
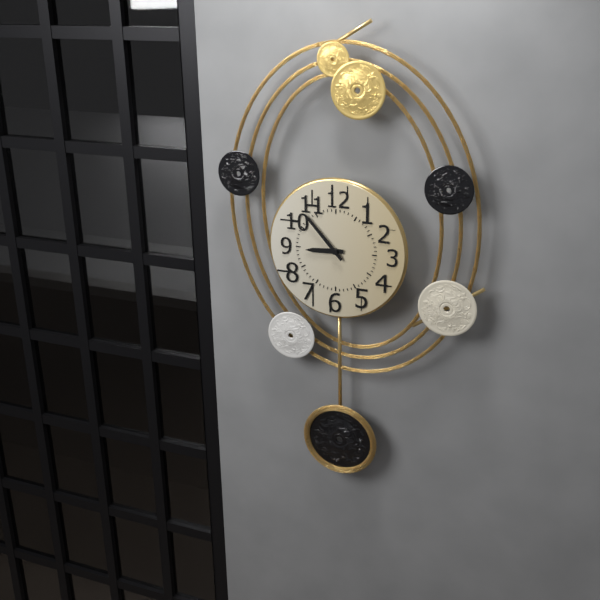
h=8 m=53
